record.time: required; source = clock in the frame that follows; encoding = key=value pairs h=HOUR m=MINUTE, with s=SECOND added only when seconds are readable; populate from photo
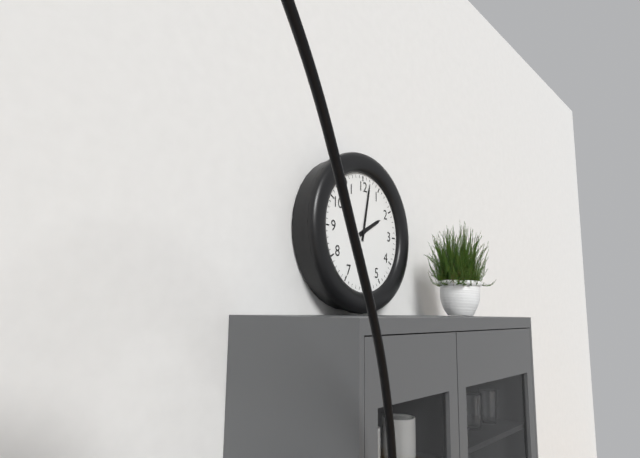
h=2 m=2
